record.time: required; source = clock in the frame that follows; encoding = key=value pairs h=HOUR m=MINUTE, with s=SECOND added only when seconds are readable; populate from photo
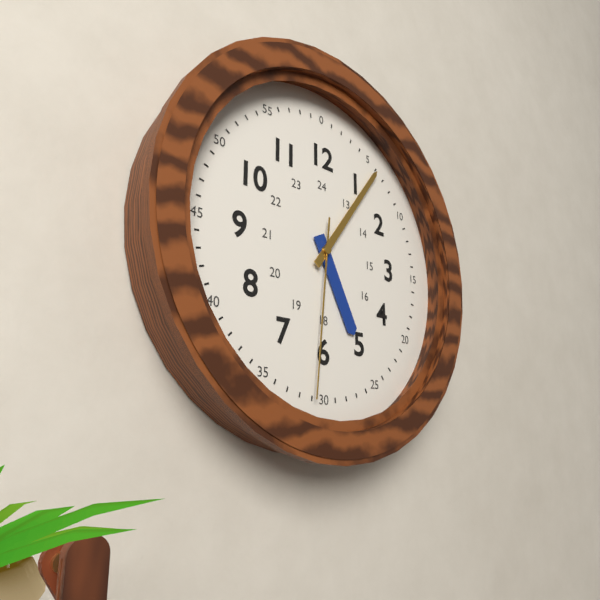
h=5 m=6 s=31
